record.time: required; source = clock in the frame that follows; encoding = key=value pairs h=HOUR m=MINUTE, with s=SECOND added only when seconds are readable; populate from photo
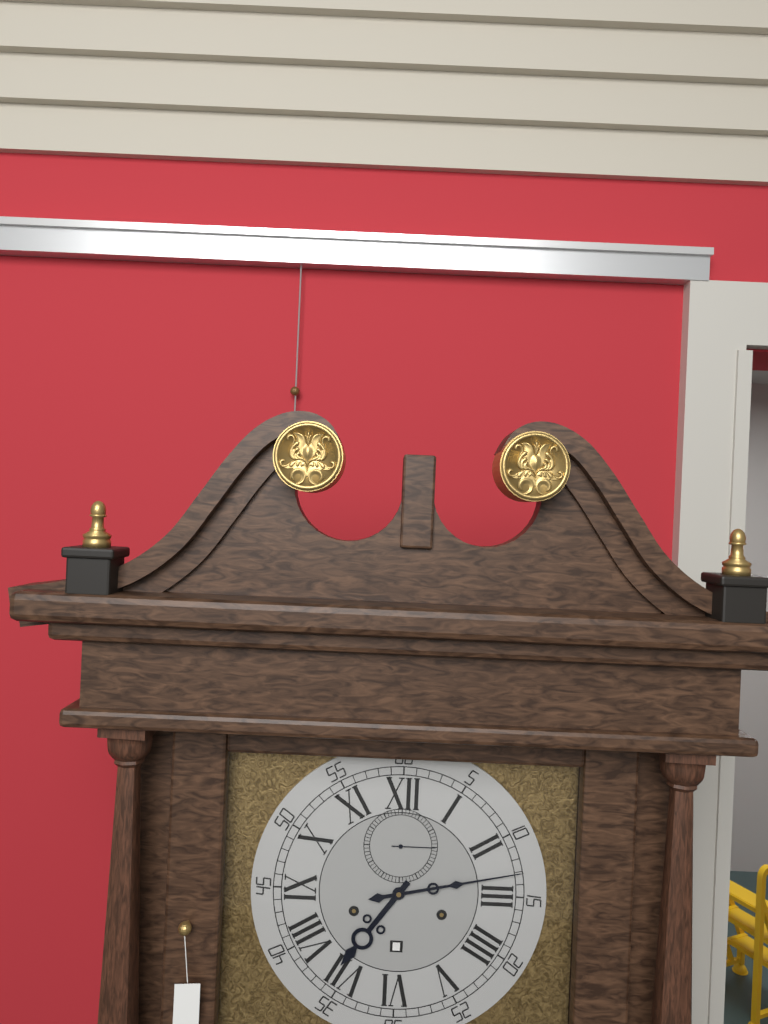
h=7 m=13
